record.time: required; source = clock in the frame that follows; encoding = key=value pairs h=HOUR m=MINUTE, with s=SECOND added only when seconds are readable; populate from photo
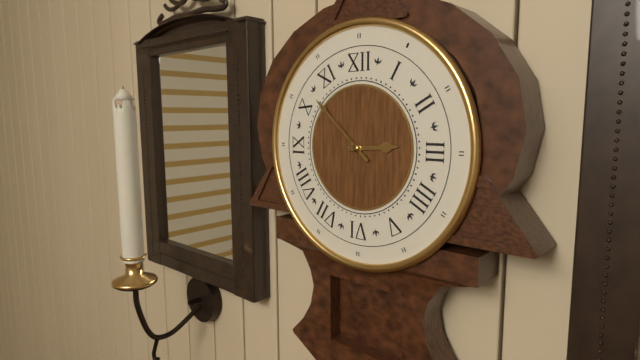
h=2 m=52
